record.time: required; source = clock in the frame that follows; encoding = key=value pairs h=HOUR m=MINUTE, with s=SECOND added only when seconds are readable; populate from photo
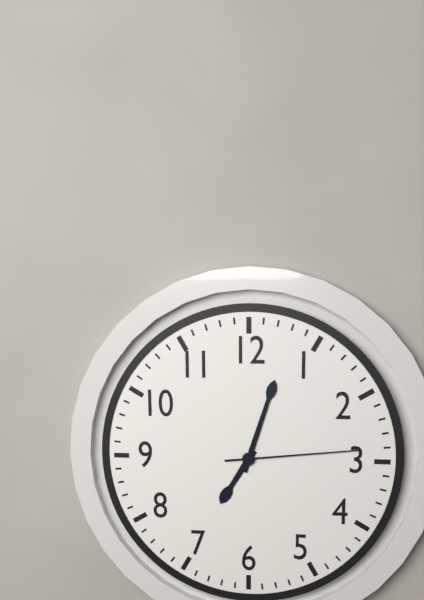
h=7 m=3 s=14
